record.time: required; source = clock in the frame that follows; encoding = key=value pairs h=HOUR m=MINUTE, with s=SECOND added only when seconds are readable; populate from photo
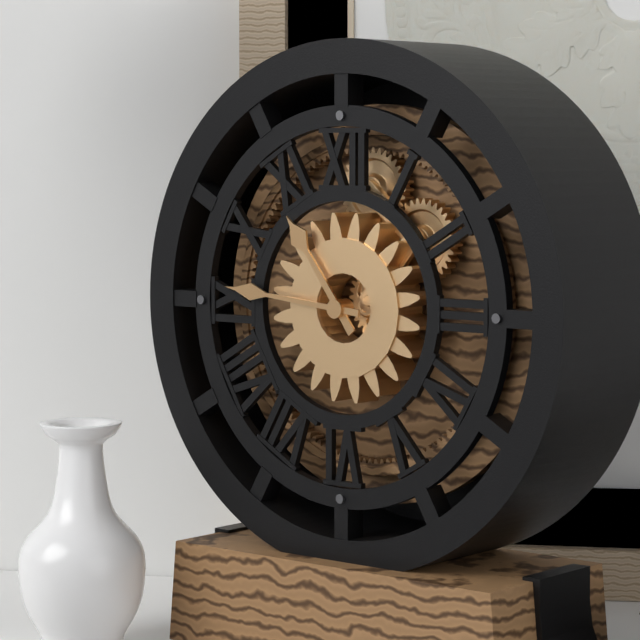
h=10 m=46
